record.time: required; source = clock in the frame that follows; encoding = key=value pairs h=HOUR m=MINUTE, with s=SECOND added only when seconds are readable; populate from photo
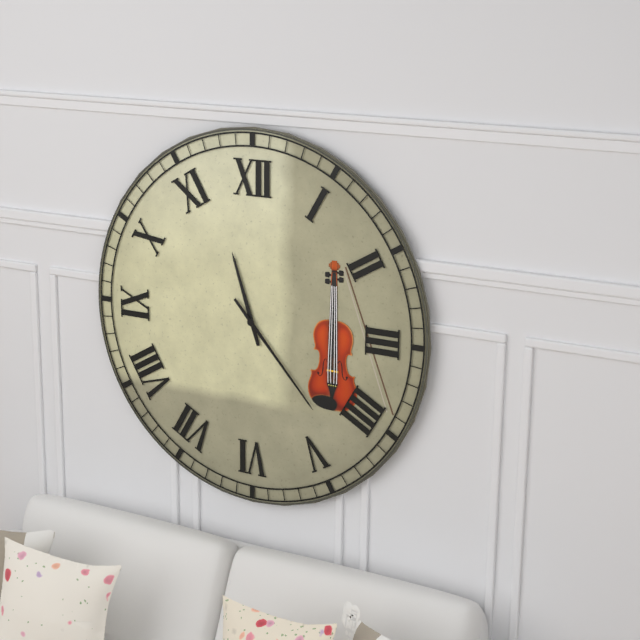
h=11 m=23
